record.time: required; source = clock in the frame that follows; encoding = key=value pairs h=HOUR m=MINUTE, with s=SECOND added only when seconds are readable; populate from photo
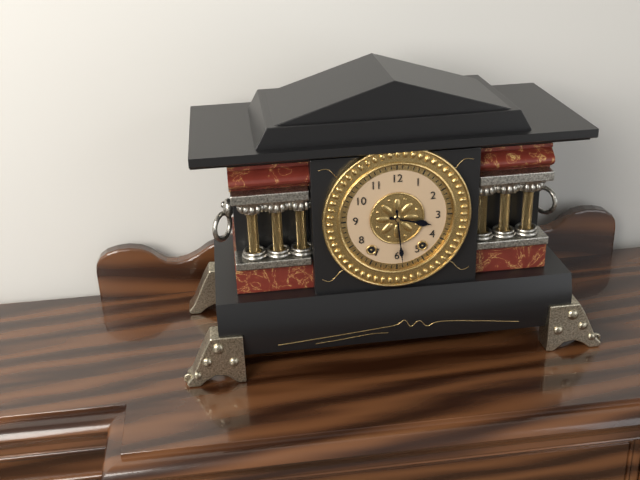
h=3 m=29
